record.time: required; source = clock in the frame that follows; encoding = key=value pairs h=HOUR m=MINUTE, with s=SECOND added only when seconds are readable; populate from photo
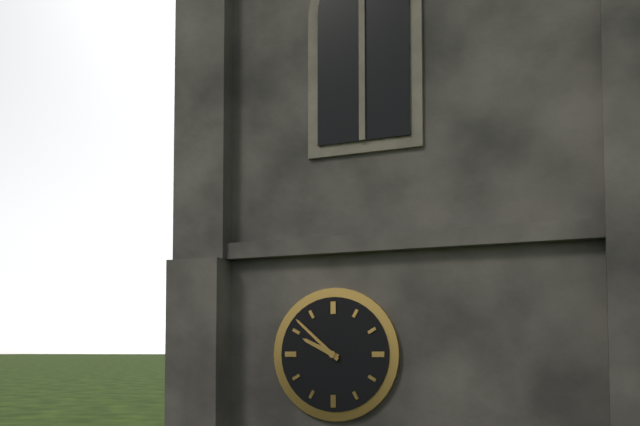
h=9 m=52
